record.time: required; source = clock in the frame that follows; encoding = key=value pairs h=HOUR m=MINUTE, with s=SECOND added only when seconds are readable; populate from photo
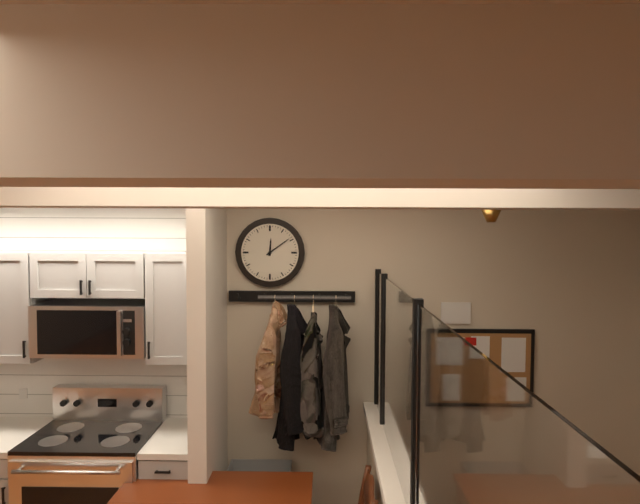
h=12 m=9
